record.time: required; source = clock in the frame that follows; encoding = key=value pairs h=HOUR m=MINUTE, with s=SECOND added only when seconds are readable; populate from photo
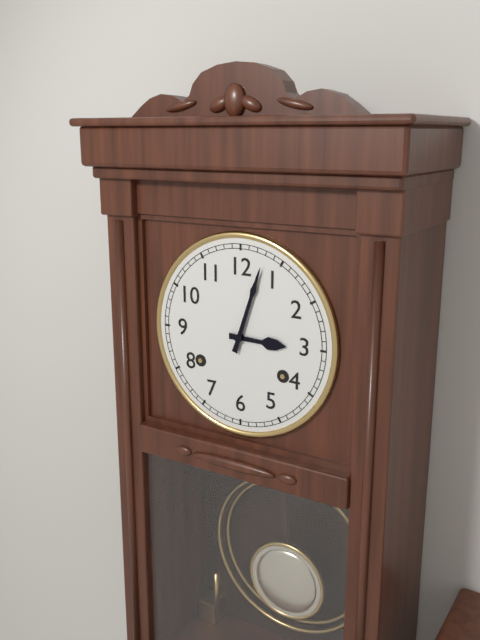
h=3 m=3
